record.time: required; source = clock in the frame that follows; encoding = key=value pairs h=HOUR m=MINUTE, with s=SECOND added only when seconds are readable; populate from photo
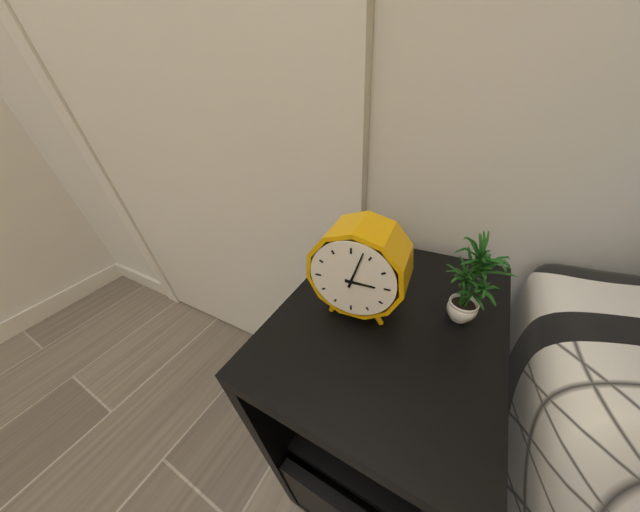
h=3 m=3
